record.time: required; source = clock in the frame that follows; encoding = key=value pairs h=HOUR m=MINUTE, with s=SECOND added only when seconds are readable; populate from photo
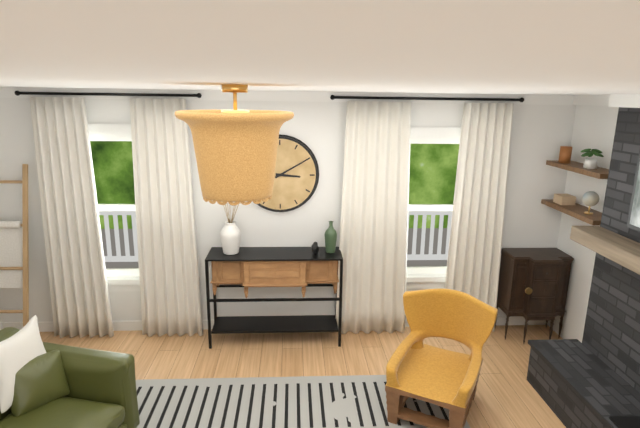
h=3 m=10
